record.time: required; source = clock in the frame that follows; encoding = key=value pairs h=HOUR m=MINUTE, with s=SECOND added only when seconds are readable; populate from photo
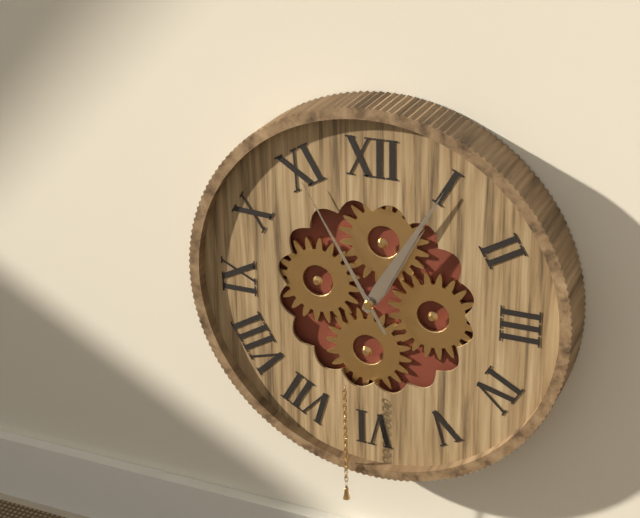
h=1 m=5 s=55
